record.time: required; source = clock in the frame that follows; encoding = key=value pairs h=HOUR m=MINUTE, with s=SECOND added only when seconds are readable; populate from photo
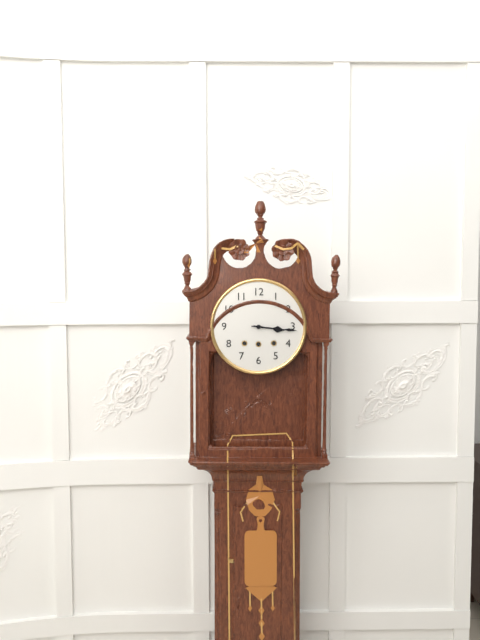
h=3 m=16
